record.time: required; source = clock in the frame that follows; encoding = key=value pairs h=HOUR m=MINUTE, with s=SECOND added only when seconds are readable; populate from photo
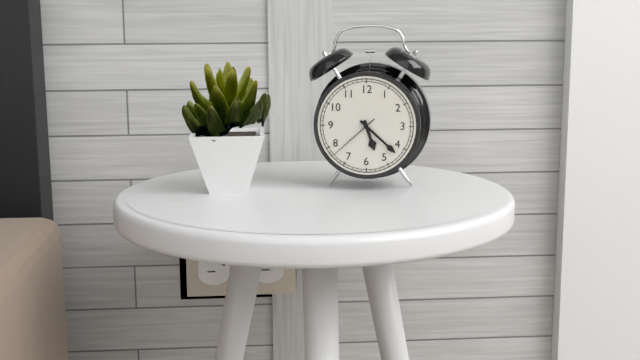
h=5 m=22 s=38
